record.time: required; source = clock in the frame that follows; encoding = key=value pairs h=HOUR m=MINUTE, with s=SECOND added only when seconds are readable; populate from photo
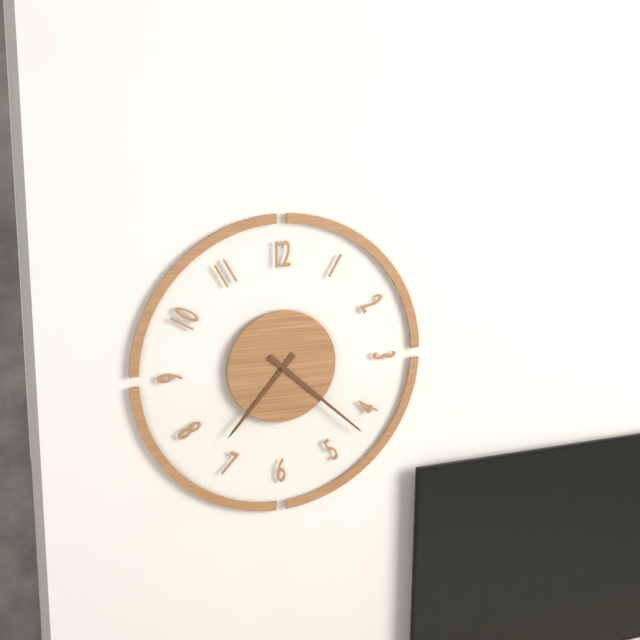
h=7 m=22
